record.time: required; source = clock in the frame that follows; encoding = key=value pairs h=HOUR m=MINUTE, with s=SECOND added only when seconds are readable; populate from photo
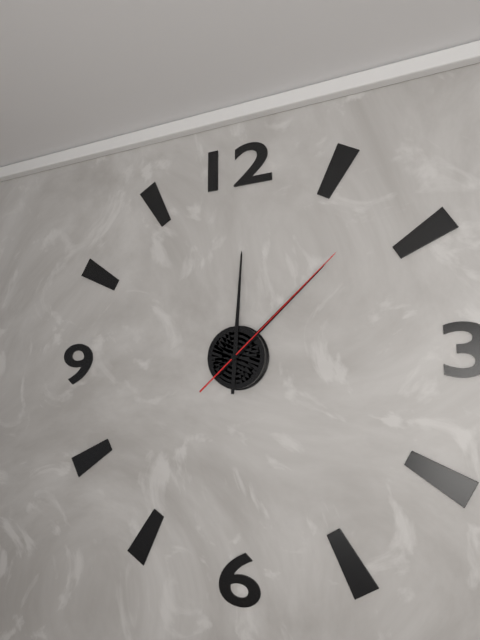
h=12 m=8 s=8
